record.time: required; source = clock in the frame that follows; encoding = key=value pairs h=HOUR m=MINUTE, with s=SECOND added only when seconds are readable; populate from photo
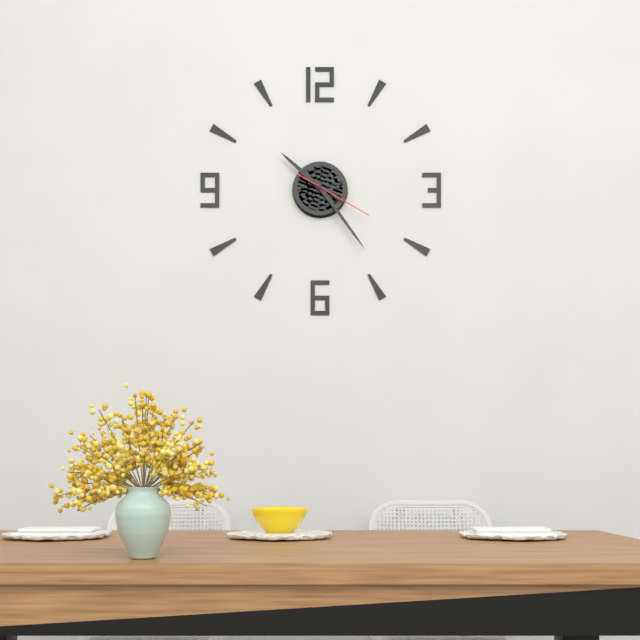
h=10 m=24 s=20
